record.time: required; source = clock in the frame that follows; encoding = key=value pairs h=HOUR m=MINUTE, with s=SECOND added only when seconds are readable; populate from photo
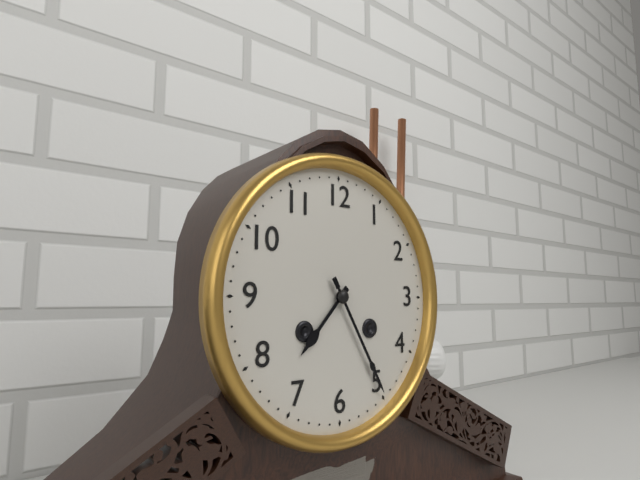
h=7 m=25
